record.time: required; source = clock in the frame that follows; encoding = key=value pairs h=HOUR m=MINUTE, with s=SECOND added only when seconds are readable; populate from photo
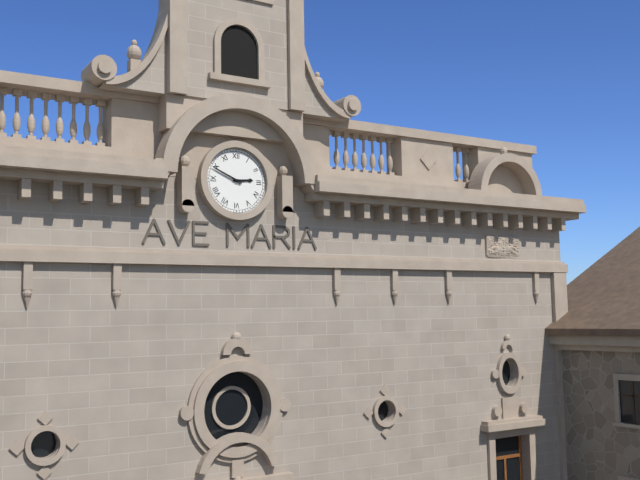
h=2 m=49
